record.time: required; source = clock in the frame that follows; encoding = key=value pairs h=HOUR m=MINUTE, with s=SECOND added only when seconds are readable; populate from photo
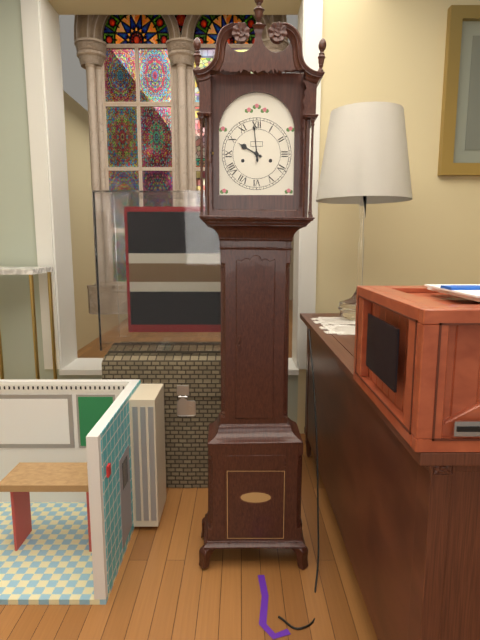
h=9 m=59
